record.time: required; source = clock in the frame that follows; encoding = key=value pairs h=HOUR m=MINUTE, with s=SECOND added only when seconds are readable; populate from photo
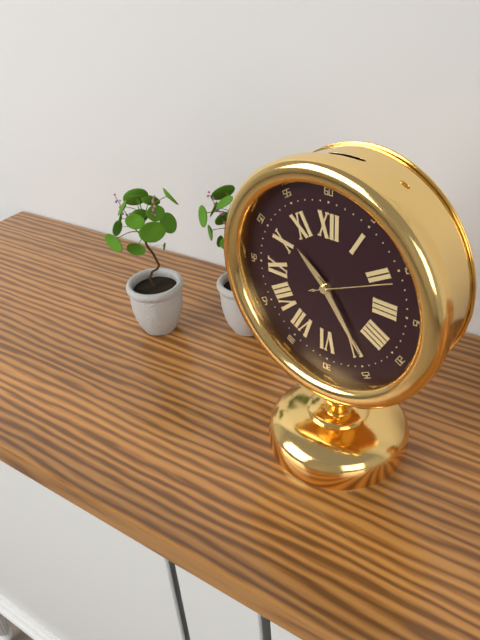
h=10 m=24 s=11
